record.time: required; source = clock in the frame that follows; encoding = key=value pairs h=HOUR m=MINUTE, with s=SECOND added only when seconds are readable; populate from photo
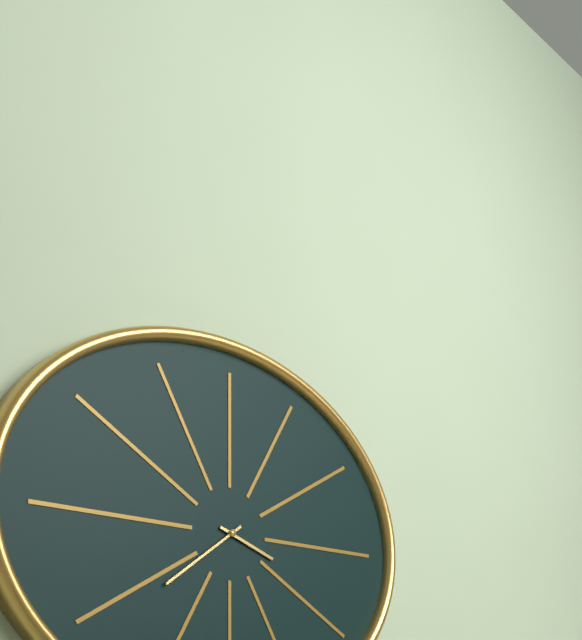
h=3 m=39
